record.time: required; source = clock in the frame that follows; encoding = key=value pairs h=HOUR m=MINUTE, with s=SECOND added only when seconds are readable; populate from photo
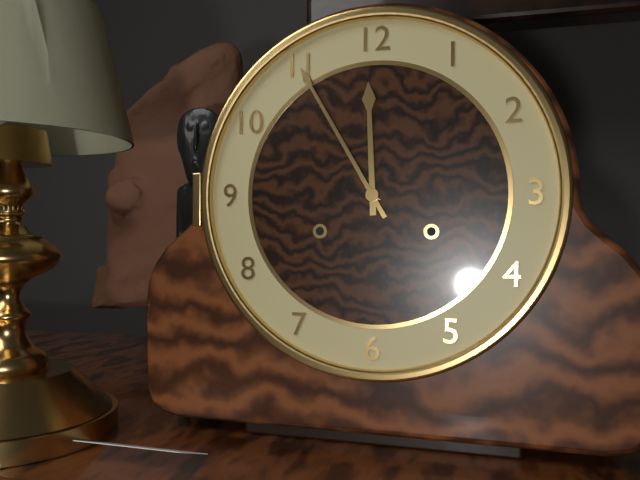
h=11 m=55
